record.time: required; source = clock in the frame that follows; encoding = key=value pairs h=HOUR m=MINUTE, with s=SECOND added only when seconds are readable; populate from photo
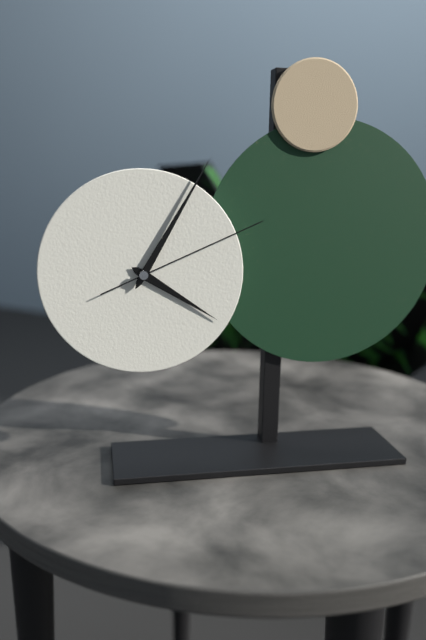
h=4 m=5 s=11
